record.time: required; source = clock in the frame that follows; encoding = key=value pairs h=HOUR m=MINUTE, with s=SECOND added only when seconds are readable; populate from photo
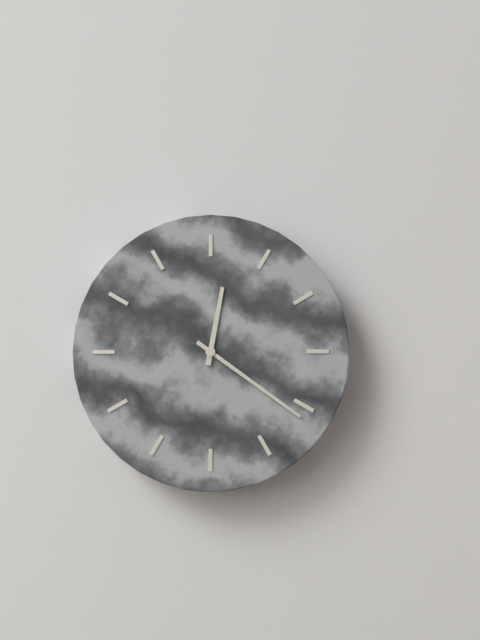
h=12 m=21
